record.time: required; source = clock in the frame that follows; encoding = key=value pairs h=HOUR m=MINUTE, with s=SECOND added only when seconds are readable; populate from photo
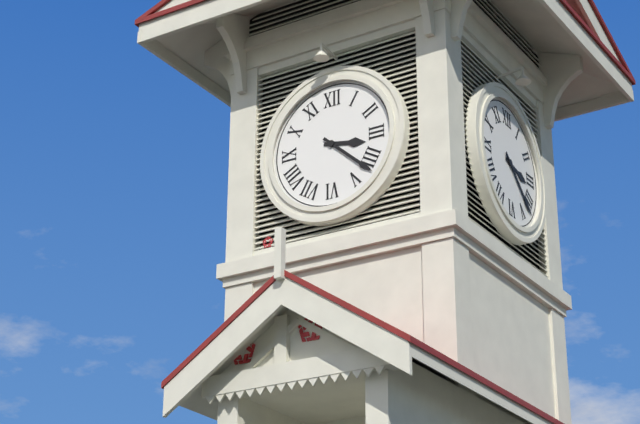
h=3 m=22
